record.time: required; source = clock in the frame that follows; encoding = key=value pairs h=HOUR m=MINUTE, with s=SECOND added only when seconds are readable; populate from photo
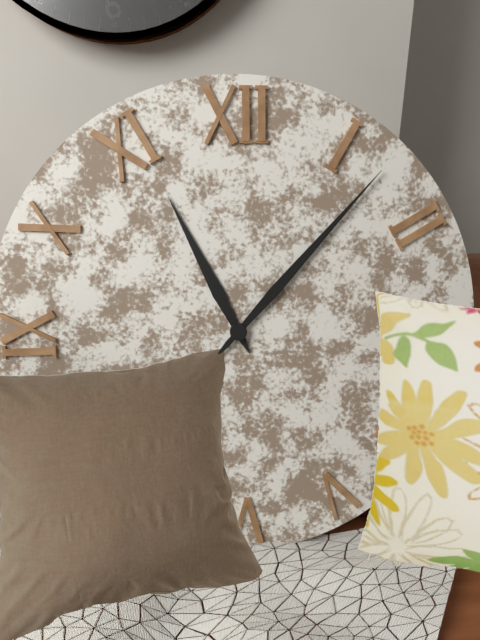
h=11 m=7
